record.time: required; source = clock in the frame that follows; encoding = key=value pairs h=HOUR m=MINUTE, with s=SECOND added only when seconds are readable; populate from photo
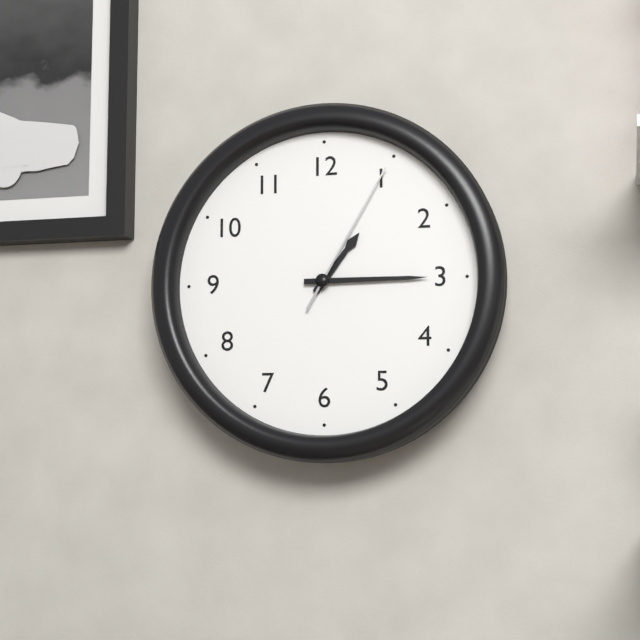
h=1 m=15 s=5
